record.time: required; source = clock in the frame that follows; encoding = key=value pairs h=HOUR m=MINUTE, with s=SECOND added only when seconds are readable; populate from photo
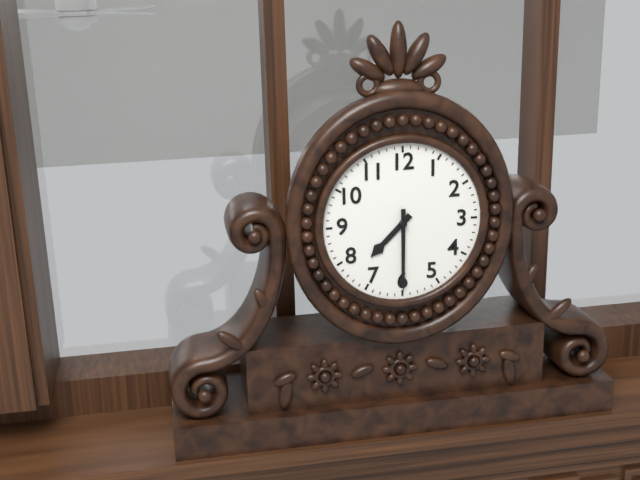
h=7 m=30
